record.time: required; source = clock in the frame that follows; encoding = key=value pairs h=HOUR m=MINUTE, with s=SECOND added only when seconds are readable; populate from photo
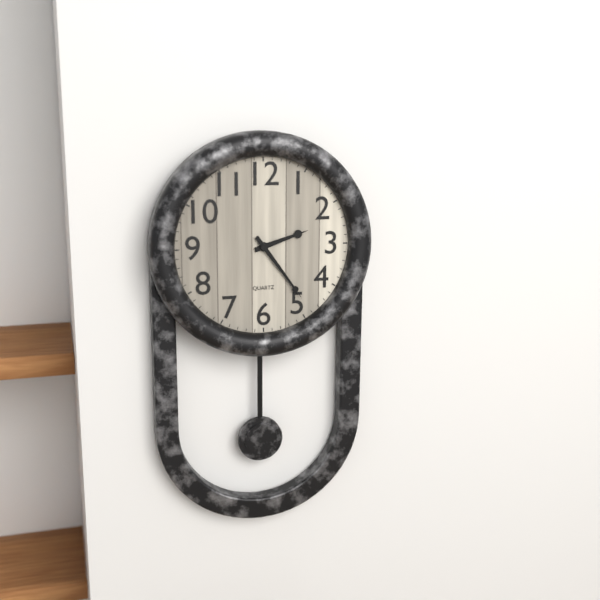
h=2 m=24
